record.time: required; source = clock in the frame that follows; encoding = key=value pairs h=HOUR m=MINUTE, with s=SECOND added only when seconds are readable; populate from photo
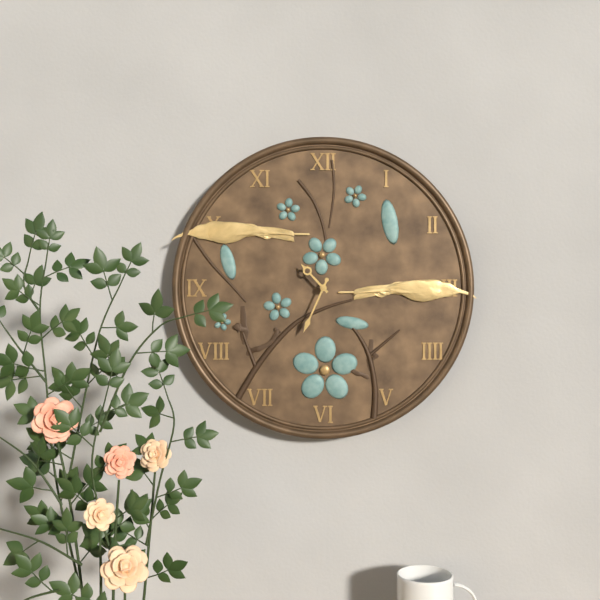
h=10 m=34
